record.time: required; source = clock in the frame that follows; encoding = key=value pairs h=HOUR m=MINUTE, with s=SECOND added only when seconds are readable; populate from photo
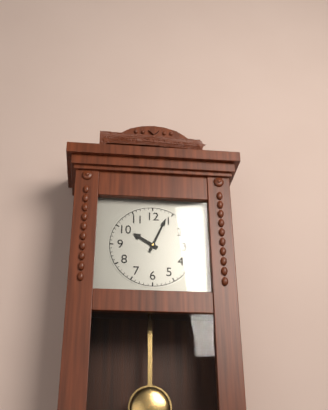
h=10 m=4
